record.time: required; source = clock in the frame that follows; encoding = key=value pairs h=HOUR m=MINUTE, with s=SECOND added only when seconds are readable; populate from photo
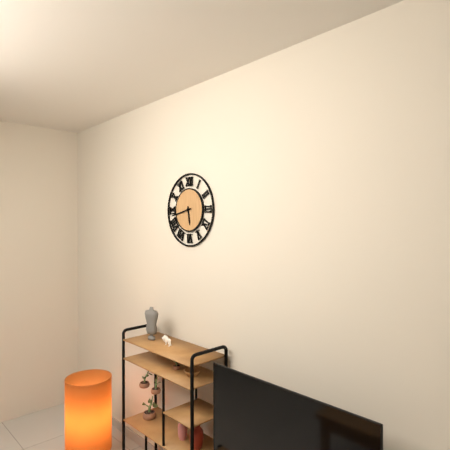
h=5 m=43
